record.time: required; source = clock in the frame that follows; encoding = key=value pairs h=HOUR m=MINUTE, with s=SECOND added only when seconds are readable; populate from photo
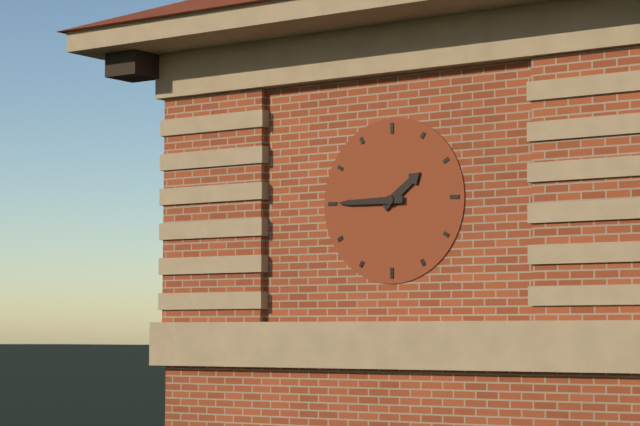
h=1 m=45
